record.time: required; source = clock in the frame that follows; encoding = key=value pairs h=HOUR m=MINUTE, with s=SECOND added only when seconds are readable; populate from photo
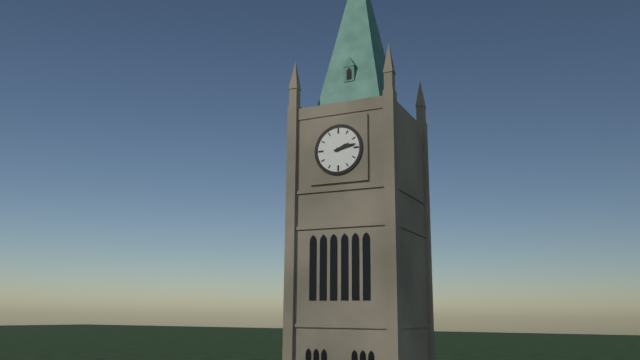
h=2 m=13
